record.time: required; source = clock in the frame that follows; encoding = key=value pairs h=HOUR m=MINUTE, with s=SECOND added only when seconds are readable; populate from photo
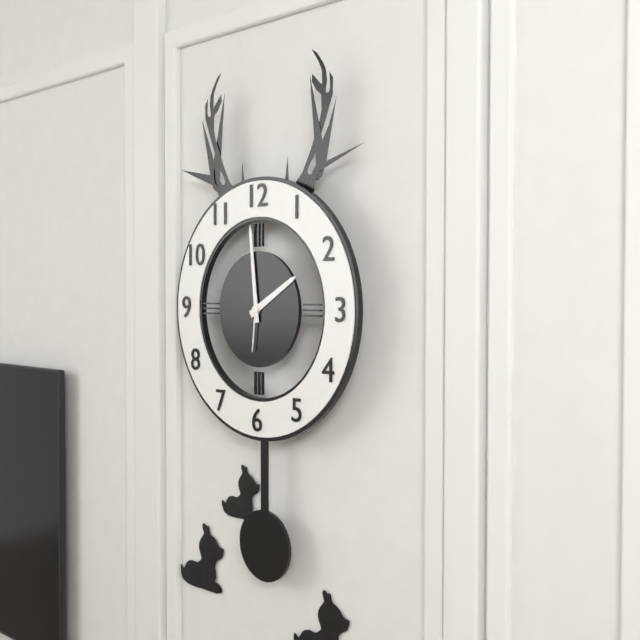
h=1 m=59 s=31
